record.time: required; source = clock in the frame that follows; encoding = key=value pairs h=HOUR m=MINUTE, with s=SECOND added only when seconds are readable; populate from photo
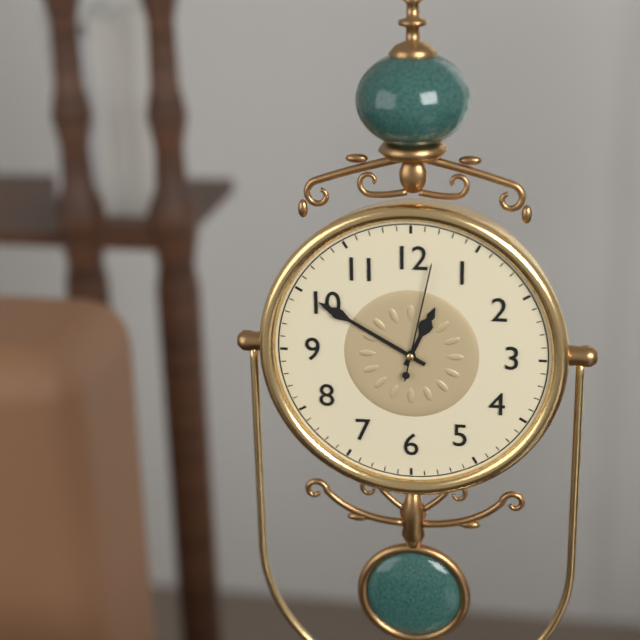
h=12 m=50 s=2
